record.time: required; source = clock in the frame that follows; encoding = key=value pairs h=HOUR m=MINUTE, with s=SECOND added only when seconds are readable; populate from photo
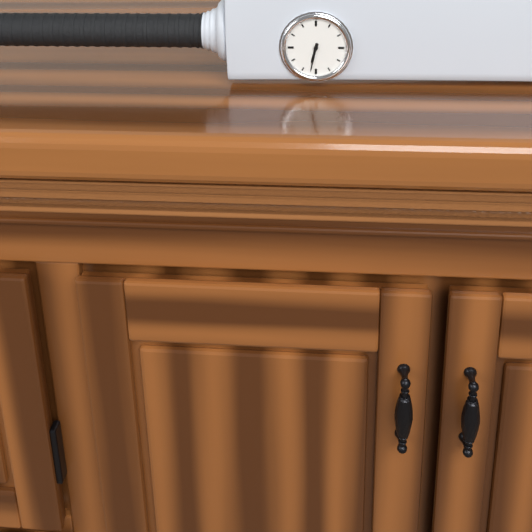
h=6 m=32
